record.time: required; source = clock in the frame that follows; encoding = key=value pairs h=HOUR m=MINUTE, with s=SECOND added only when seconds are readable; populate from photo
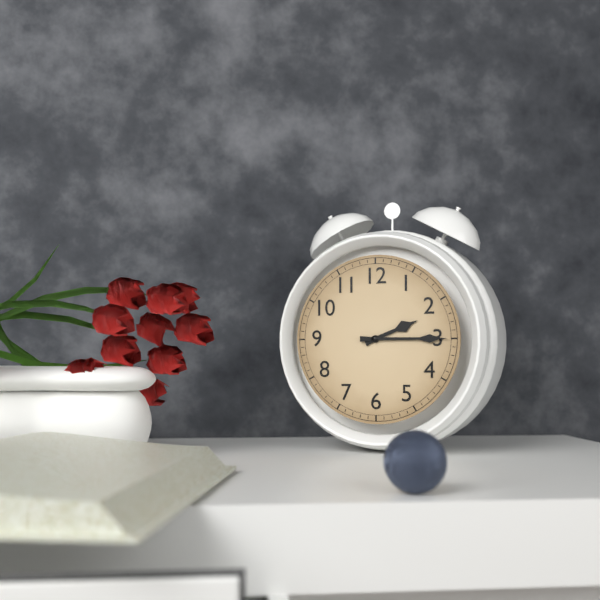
h=2 m=15
